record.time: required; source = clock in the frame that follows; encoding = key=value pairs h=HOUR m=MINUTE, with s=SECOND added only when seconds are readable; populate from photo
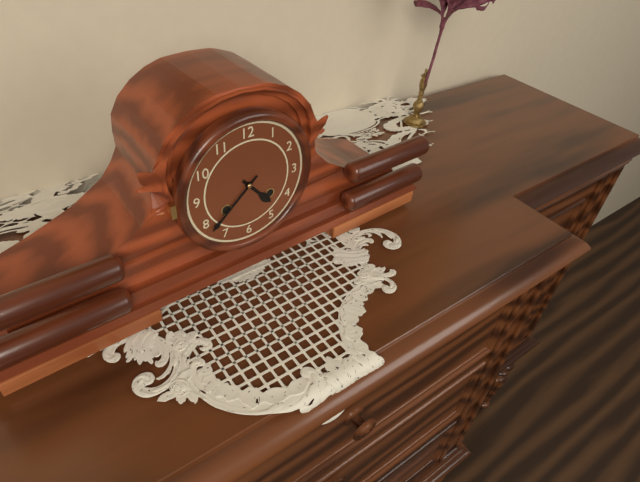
h=4 m=38
